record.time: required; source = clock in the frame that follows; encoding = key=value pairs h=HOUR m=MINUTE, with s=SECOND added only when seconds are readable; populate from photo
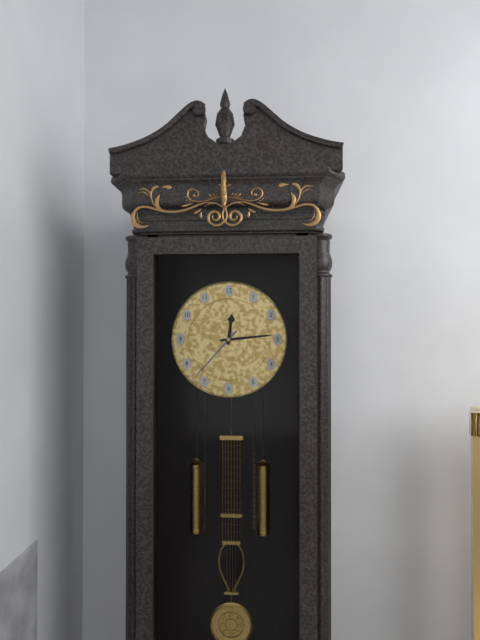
h=12 m=14 s=37
